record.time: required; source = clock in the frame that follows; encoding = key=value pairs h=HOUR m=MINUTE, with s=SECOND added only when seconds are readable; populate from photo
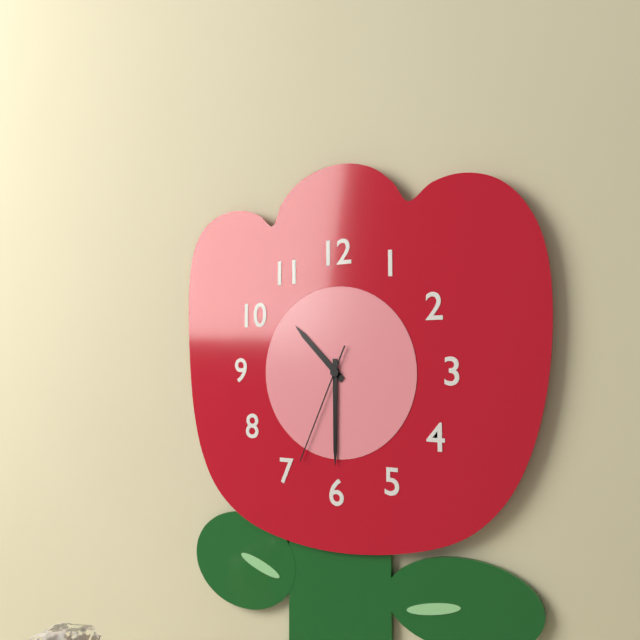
h=10 m=30 s=34
